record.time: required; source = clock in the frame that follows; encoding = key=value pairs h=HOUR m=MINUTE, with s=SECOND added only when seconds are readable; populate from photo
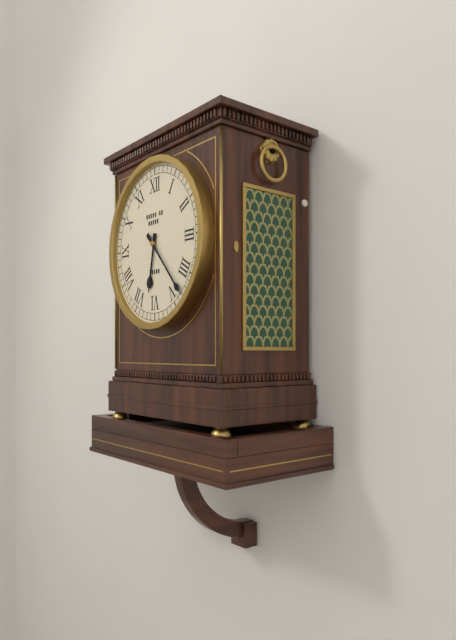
h=6 m=23
